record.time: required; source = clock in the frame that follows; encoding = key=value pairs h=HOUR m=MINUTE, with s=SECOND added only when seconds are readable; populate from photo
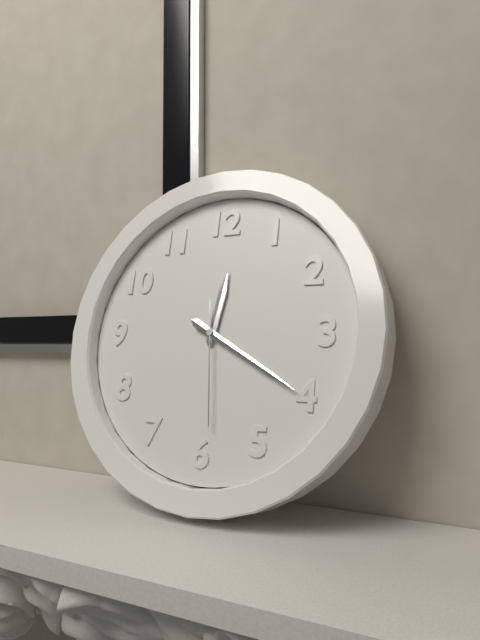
h=12 m=20 s=29
